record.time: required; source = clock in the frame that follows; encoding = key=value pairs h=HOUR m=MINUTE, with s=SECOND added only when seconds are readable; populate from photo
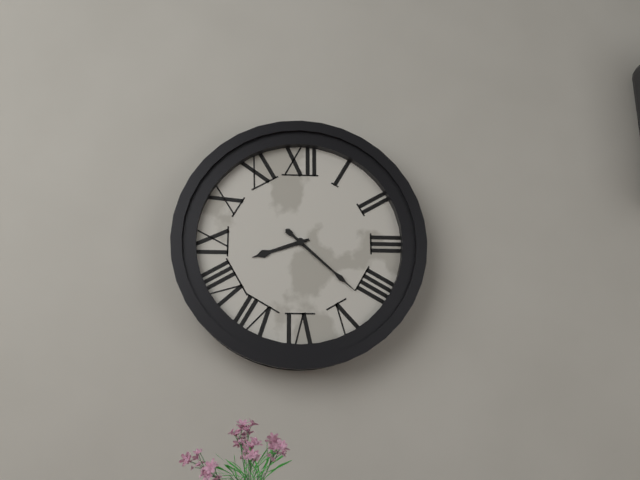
h=8 m=22
